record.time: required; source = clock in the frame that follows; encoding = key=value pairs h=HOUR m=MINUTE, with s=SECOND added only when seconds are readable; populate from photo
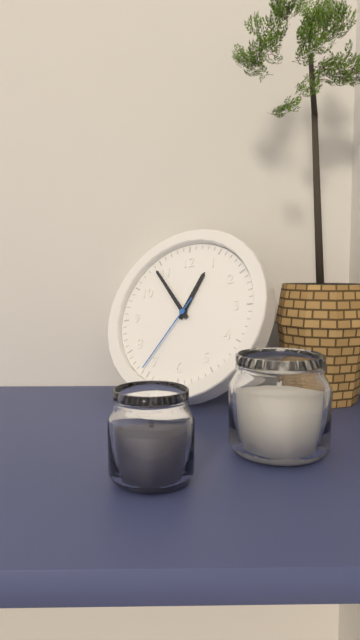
h=12 m=54 s=36
